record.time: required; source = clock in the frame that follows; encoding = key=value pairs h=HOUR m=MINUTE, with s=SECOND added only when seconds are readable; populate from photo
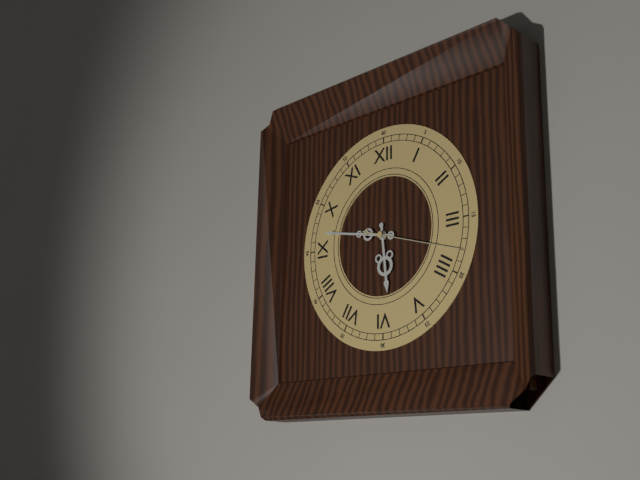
h=5 m=47 s=18
